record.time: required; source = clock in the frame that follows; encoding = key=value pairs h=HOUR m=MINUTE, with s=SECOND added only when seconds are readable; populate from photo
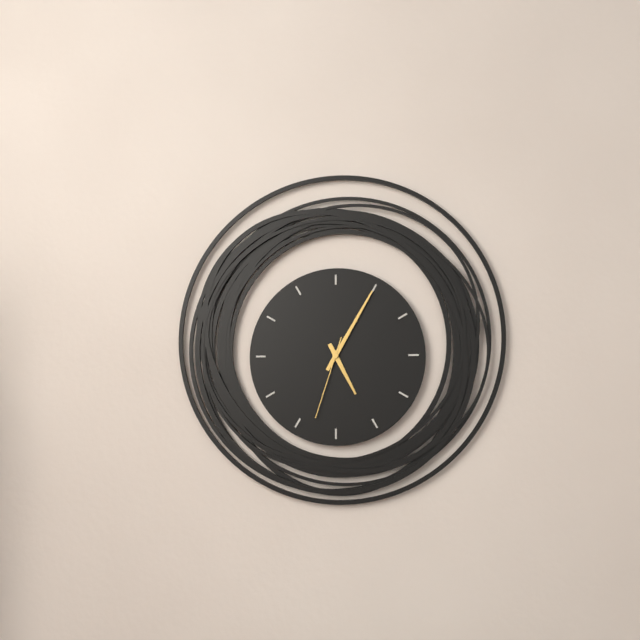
h=5 m=5 s=33
